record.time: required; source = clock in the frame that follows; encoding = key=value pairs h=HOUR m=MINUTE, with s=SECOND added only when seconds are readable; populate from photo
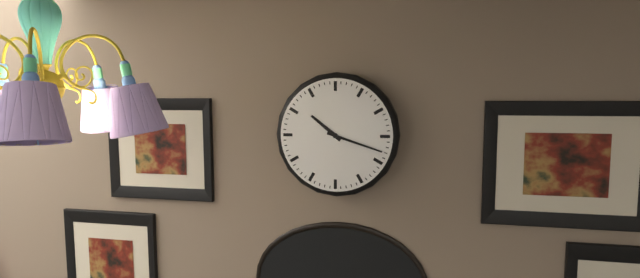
h=10 m=18
